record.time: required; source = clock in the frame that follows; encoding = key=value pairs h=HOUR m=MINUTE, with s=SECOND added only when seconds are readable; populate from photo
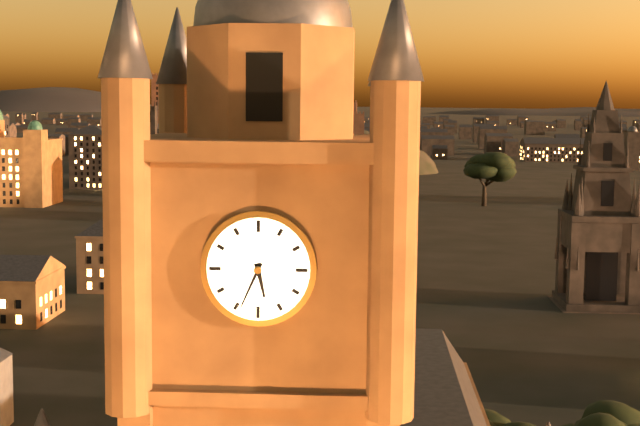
h=5 m=34
